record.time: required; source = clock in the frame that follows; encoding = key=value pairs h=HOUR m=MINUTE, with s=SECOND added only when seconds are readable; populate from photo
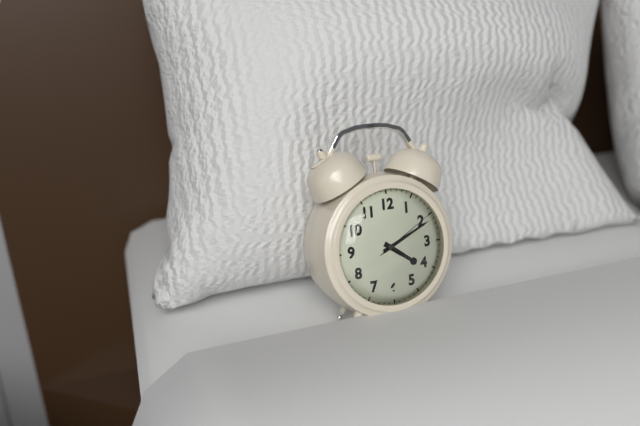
h=4 m=11 s=10
